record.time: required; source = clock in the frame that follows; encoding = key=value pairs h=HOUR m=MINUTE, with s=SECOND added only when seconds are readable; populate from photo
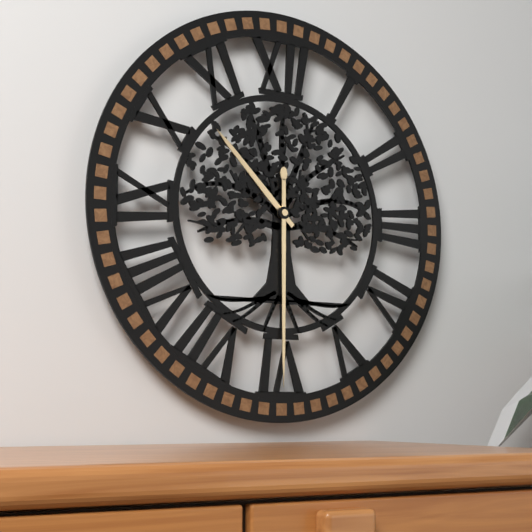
h=10 m=30
